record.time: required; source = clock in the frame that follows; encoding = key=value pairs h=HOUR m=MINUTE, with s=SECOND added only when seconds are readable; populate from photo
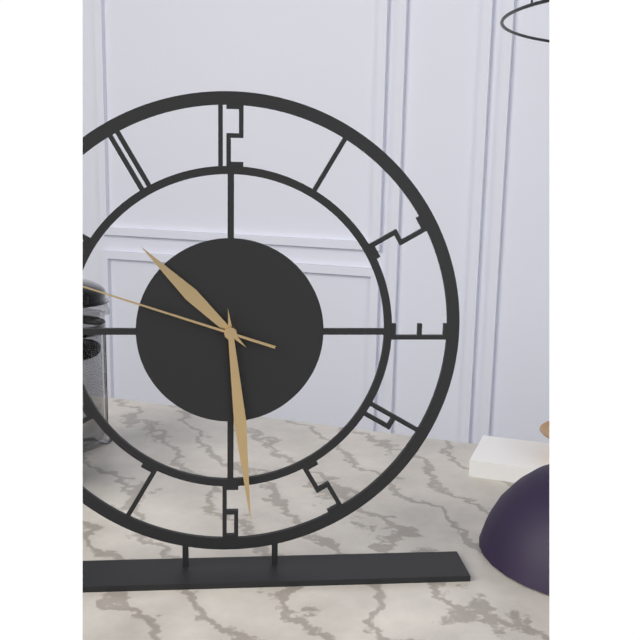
h=10 m=29 s=48
